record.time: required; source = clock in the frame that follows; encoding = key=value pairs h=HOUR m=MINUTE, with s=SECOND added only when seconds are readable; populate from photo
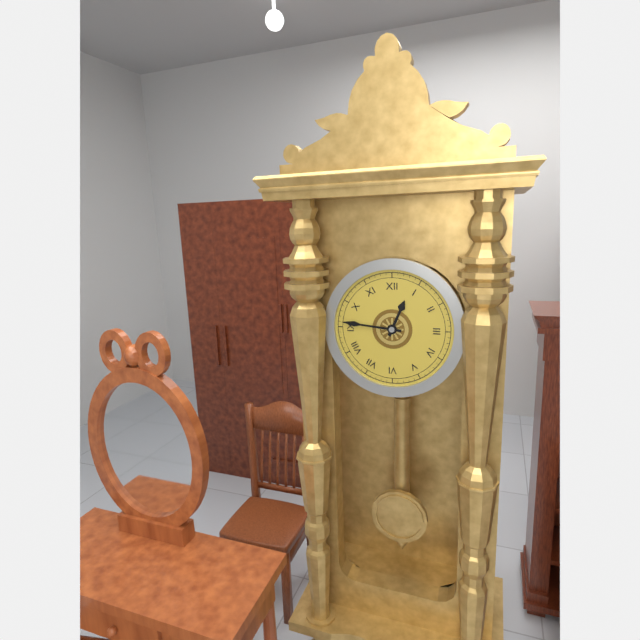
h=12 m=46
